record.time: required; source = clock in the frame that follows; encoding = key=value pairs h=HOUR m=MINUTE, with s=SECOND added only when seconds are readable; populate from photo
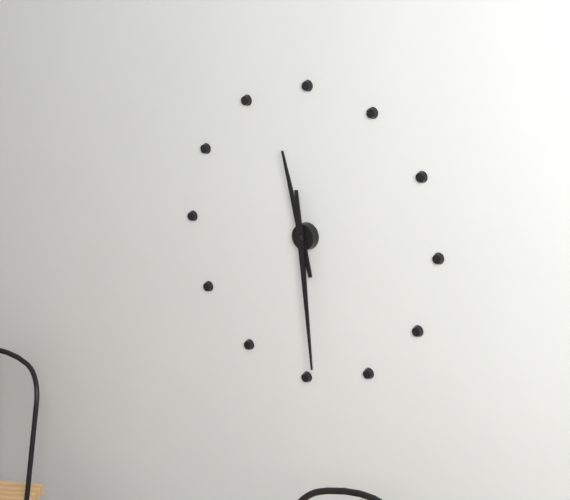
h=11 m=29
